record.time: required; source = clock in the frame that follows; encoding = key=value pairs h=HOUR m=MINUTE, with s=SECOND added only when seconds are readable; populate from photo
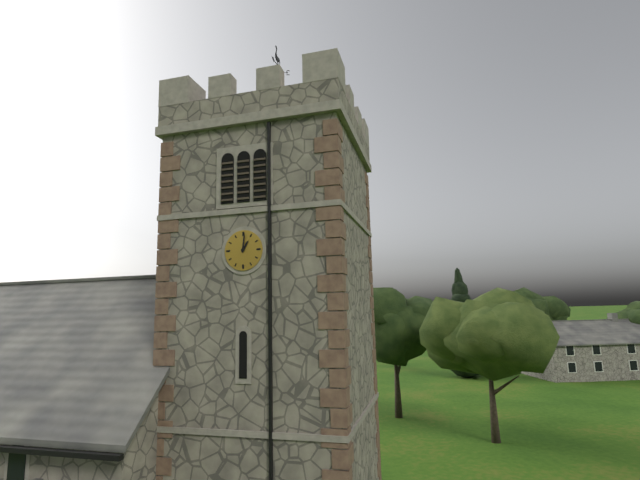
h=1 m=1
